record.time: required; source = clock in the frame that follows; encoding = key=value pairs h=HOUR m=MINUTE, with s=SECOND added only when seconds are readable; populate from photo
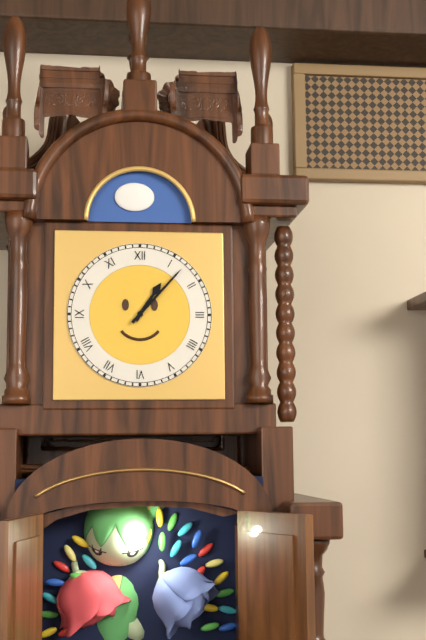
h=1 m=7
